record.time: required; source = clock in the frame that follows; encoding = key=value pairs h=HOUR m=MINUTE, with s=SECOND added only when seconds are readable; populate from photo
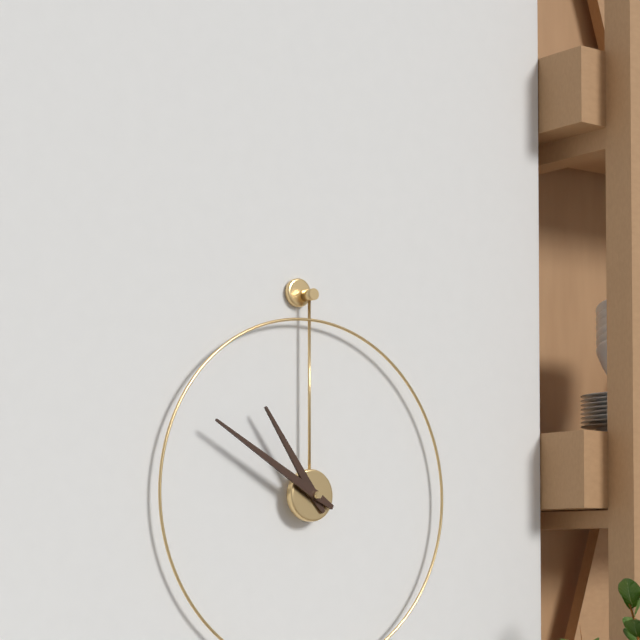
h=10 m=50
